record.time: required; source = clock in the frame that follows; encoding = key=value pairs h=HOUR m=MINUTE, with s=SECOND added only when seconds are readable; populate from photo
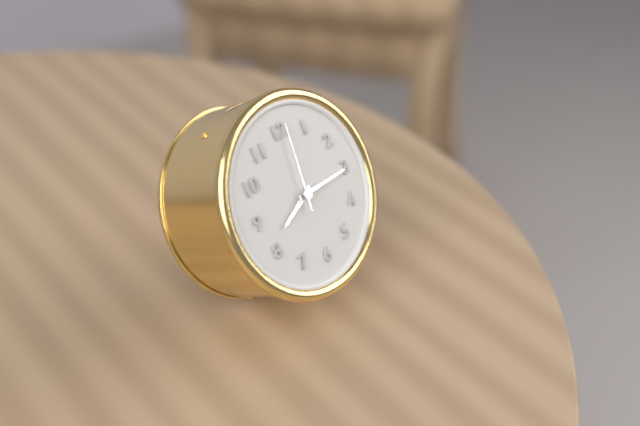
h=8 m=15 s=1
